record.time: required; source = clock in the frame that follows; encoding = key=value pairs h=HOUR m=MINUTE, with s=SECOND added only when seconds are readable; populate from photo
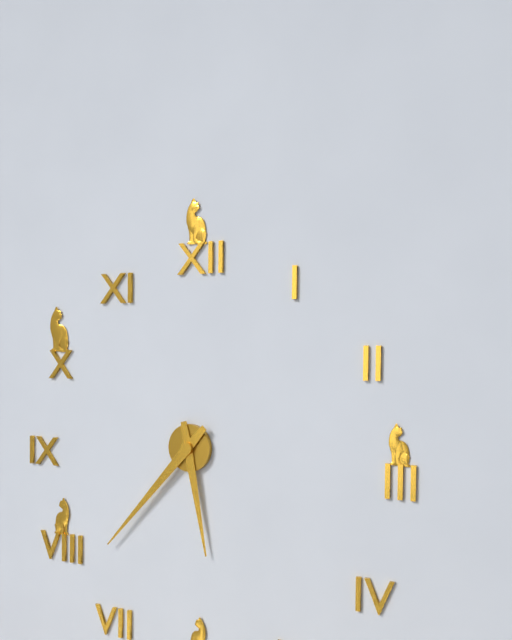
h=5 m=37
